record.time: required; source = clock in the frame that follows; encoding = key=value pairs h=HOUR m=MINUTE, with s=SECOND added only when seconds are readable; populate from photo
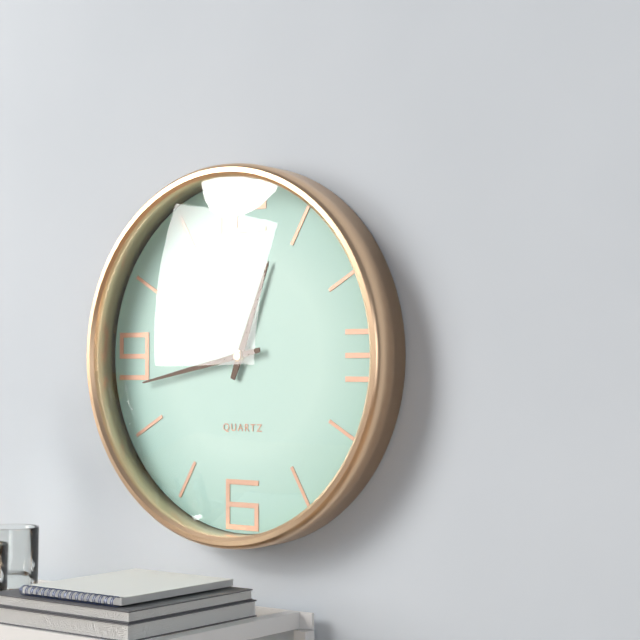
h=12 m=43
